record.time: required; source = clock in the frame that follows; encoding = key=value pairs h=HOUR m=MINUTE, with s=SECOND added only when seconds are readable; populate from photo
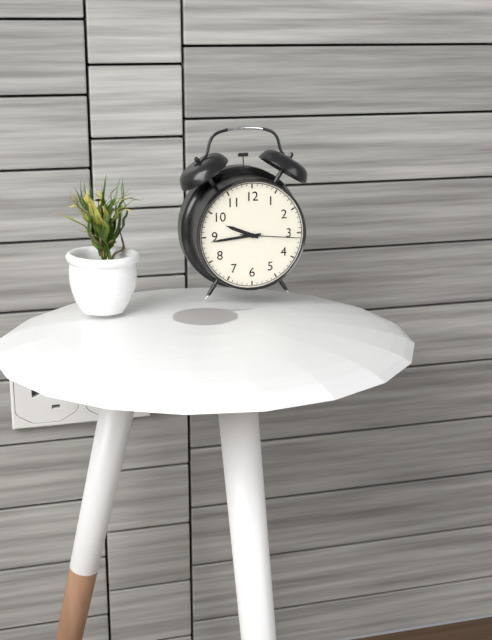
h=9 m=44 s=16
